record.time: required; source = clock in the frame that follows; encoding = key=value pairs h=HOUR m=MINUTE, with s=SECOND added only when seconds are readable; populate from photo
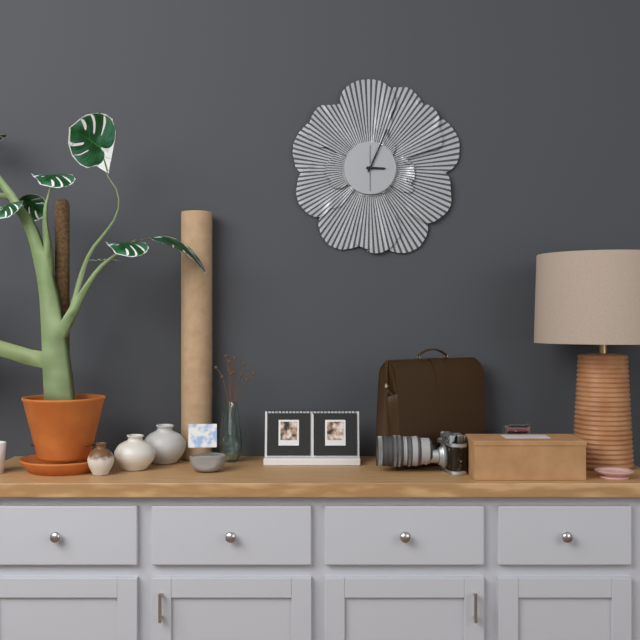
h=3 m=4
